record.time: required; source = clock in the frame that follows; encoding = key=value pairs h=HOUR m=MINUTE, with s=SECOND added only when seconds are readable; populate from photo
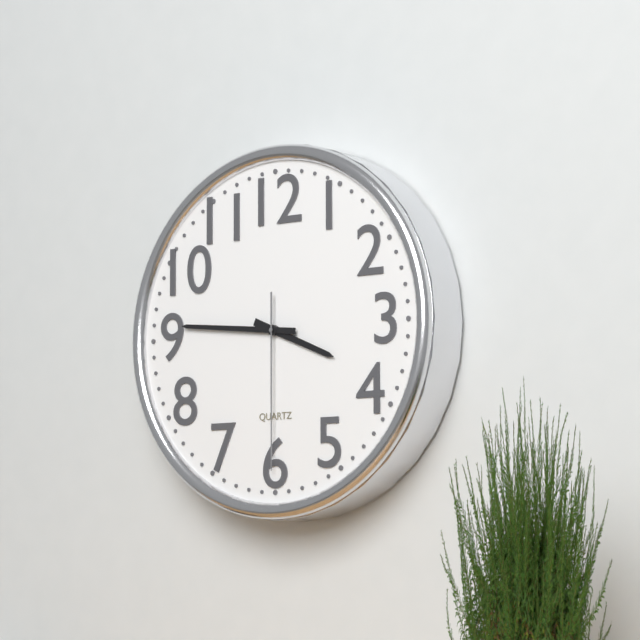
h=3 m=46 s=30
